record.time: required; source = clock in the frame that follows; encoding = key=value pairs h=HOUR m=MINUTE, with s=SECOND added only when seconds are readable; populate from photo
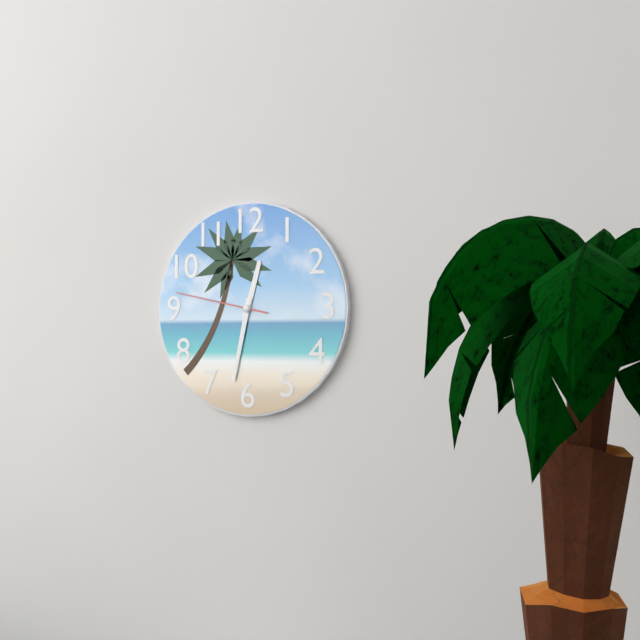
h=12 m=32 s=47
